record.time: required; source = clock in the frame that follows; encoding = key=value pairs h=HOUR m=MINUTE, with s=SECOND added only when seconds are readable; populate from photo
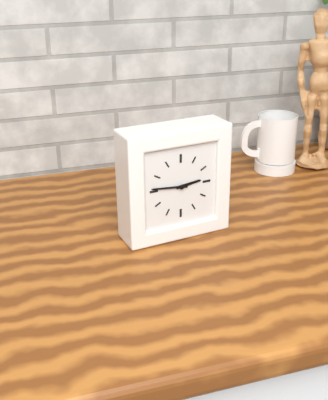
h=2 m=46
